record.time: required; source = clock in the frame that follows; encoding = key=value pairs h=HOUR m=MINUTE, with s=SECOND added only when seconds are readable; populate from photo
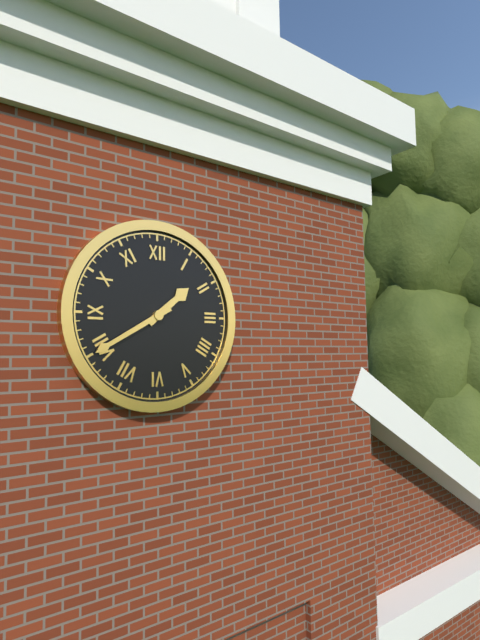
h=1 m=40
